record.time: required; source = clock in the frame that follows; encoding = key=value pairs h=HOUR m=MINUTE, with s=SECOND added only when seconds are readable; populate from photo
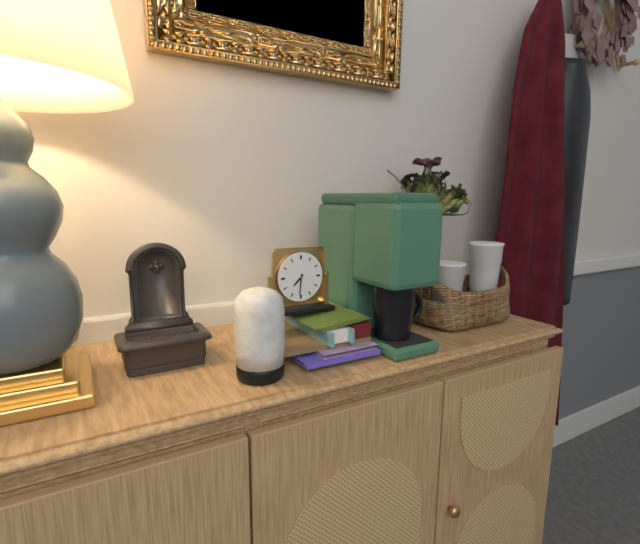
h=7 m=31
